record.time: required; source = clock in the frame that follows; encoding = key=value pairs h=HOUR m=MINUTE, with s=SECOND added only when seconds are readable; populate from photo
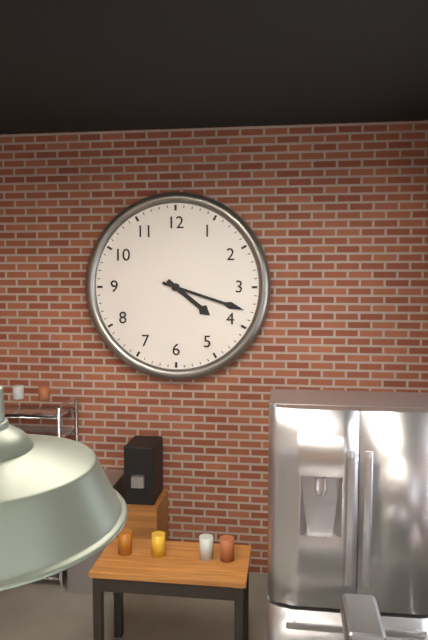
h=4 m=18
